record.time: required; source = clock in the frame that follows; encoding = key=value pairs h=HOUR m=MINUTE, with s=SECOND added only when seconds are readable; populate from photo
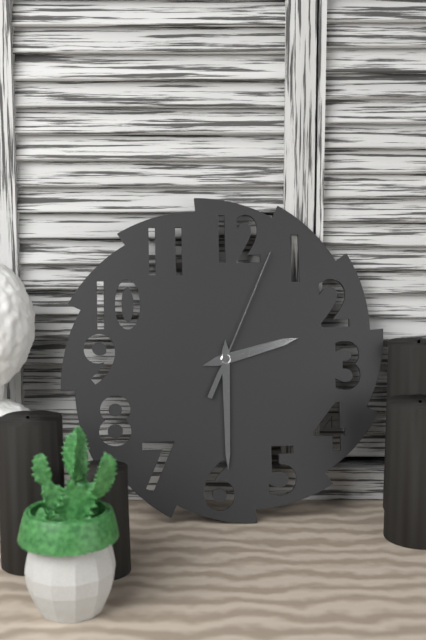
h=2 m=30 s=4
